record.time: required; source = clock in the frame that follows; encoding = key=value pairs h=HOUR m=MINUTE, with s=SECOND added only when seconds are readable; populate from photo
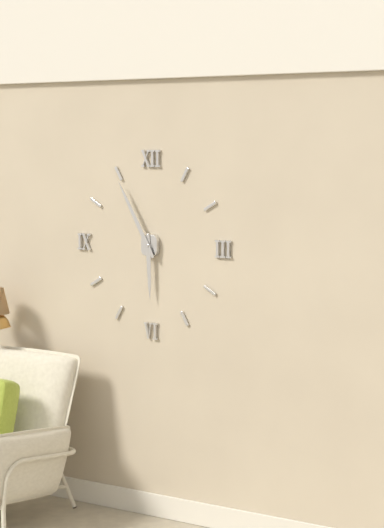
h=5 m=55
